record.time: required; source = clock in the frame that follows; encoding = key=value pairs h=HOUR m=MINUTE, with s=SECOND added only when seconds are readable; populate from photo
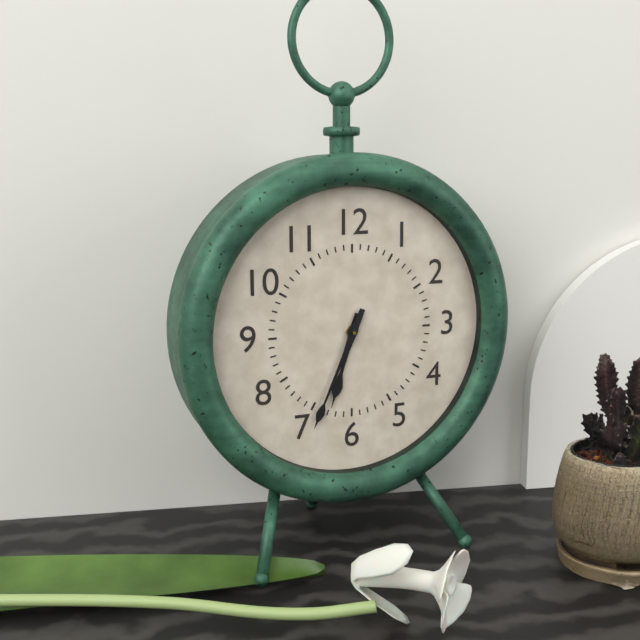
h=6 m=34
